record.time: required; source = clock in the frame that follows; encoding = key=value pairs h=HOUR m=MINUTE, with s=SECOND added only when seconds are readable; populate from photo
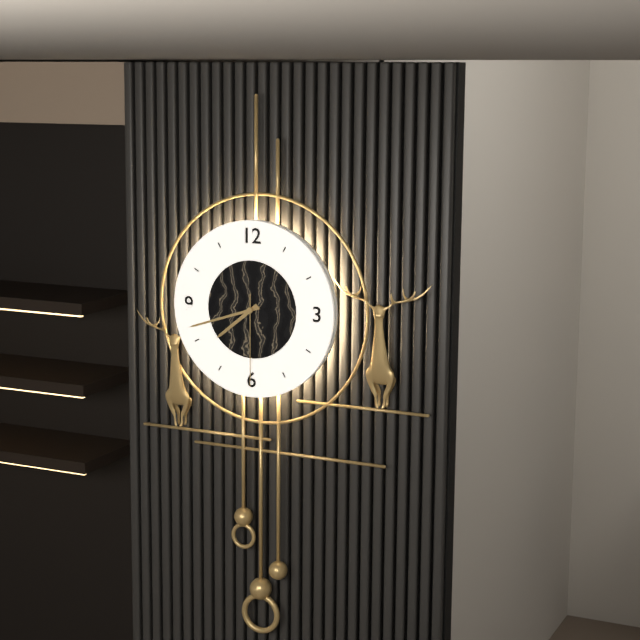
h=7 m=42 s=30
